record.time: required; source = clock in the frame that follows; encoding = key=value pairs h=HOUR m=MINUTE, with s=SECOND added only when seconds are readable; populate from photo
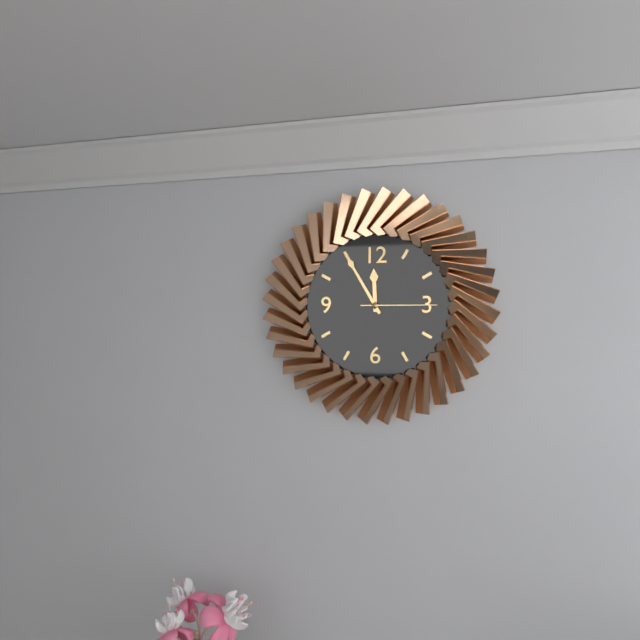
h=11 m=55 s=15
